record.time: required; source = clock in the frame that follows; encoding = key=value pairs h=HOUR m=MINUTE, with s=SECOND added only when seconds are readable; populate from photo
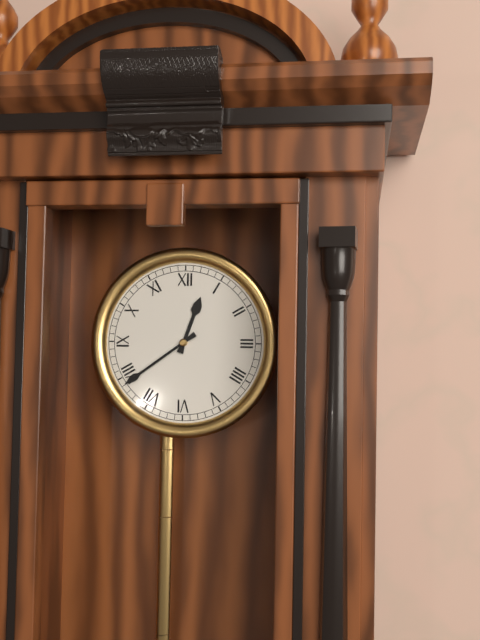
h=12 m=39
